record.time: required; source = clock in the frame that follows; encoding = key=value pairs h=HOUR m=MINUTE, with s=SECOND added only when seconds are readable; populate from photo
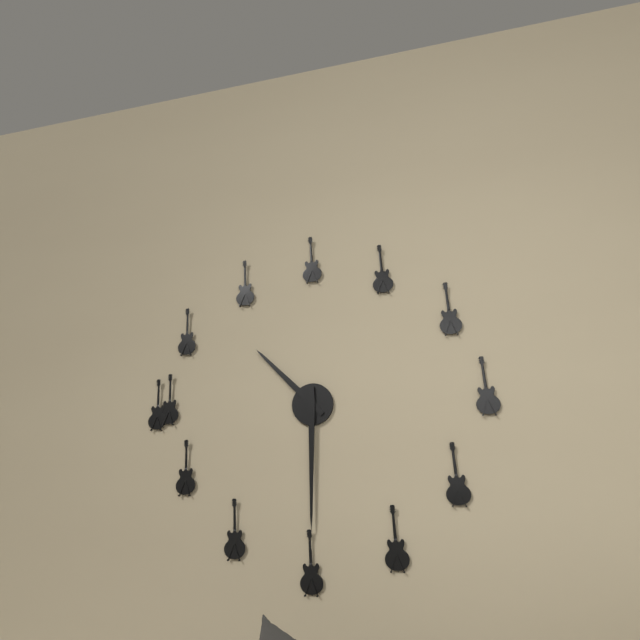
h=10 m=30
